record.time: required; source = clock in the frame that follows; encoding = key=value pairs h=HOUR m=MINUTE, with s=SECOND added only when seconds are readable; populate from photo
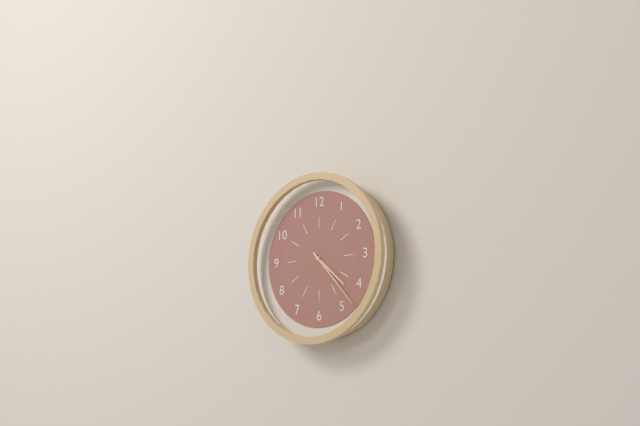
h=4 m=23
